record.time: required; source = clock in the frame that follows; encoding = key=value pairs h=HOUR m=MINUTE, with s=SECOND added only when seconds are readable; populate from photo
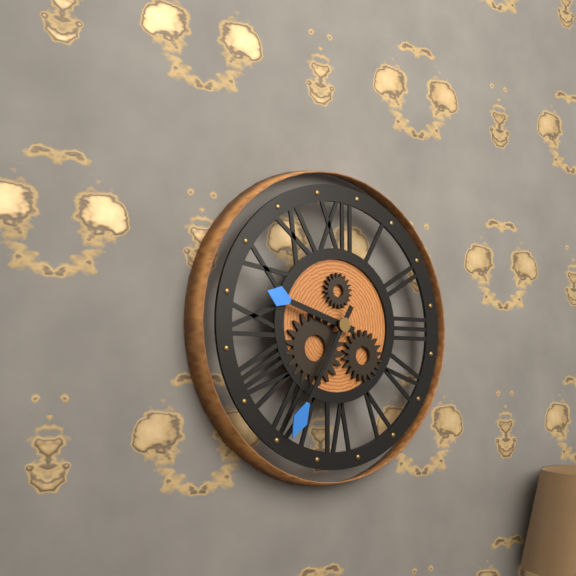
h=9 m=35
